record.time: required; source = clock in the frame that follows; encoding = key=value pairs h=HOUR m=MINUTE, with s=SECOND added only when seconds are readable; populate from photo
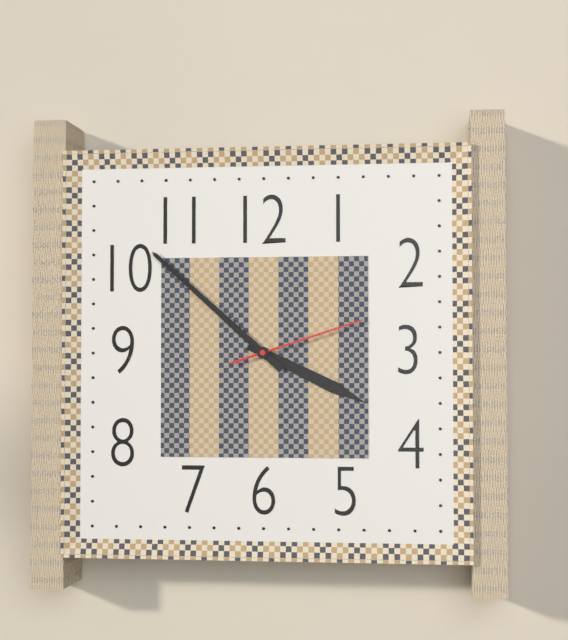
h=3 m=52 s=12
